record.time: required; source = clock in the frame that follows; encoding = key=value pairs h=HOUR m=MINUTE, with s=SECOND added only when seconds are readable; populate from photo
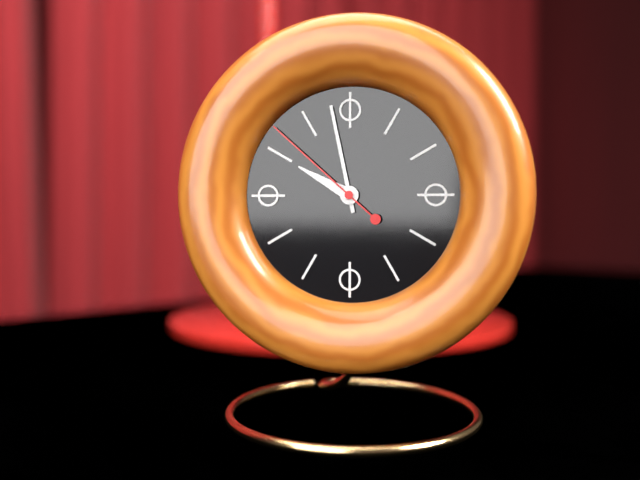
h=9 m=58 s=52
